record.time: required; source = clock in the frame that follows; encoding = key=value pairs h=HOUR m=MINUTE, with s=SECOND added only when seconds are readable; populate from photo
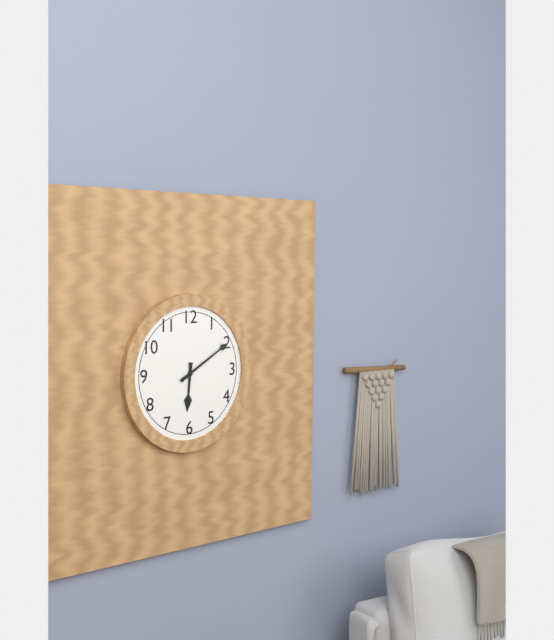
h=6 m=10
